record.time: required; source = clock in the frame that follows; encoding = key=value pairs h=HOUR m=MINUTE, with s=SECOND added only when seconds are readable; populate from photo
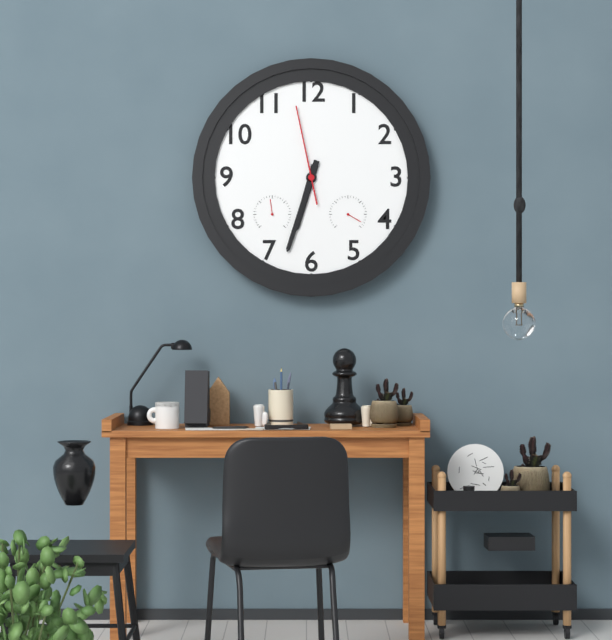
h=6 m=33 s=58
